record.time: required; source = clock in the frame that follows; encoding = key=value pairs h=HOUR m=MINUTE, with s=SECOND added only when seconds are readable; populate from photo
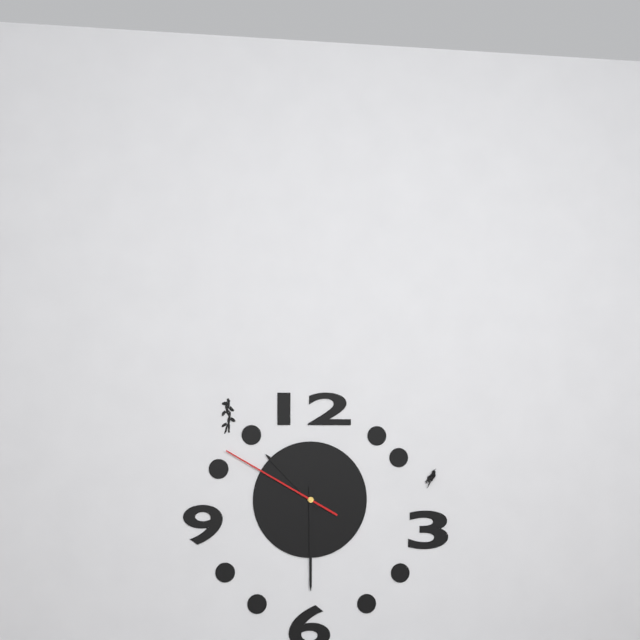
h=10 m=30 s=50
